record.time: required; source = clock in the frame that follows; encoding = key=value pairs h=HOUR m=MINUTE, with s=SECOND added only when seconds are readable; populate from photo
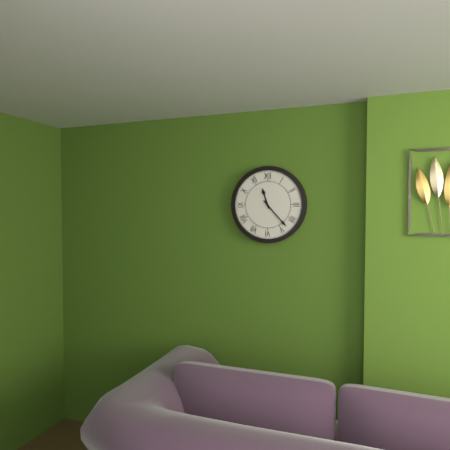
h=11 m=23
